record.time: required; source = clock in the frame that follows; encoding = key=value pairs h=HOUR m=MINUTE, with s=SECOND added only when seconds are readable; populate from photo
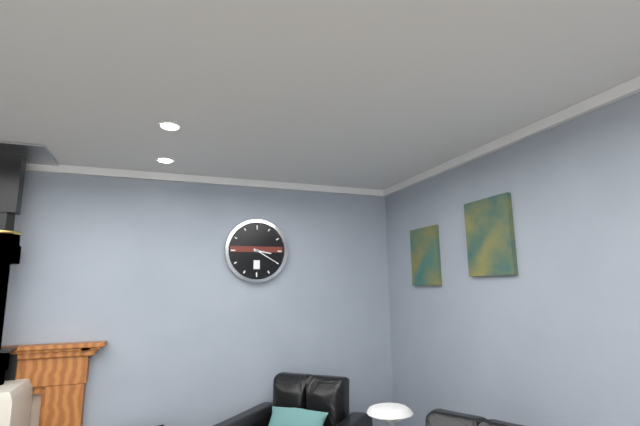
h=3 m=20
